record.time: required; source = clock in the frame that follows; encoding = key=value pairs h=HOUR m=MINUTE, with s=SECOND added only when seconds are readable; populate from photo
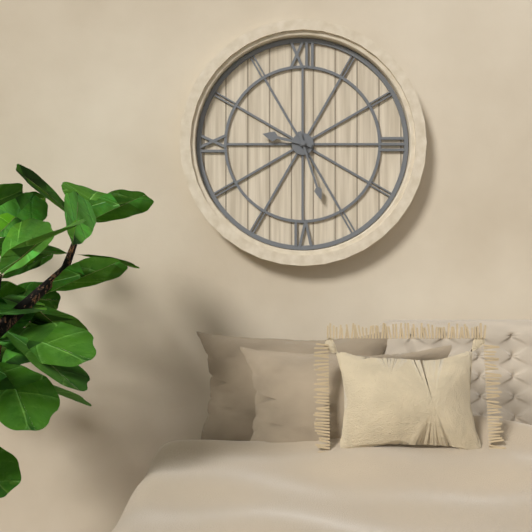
h=9 m=27
